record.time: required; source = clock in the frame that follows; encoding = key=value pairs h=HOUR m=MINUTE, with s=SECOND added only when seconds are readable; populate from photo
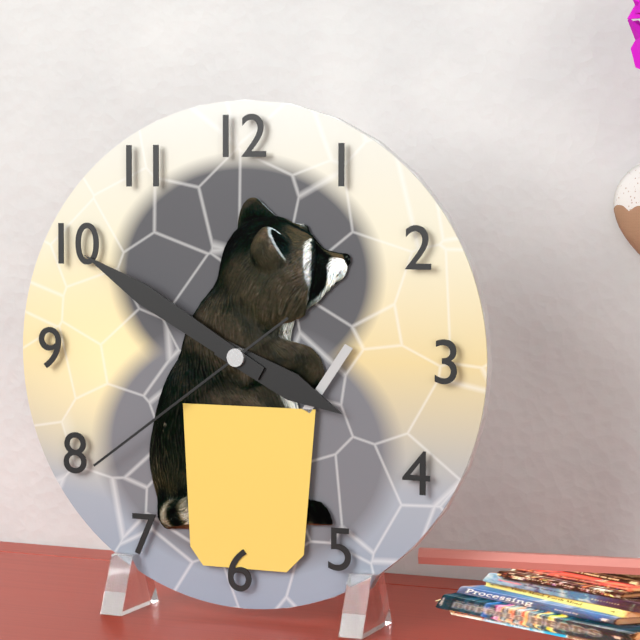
h=3 m=50 s=39
